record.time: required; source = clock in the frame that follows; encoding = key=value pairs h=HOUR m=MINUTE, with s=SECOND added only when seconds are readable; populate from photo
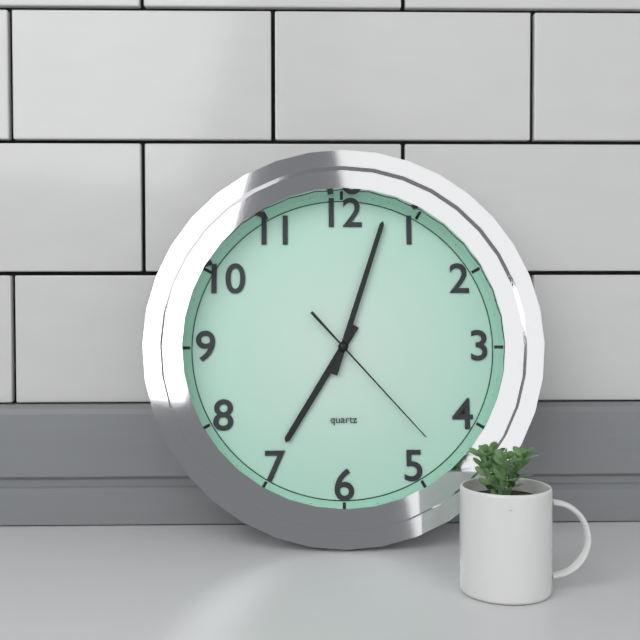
h=7 m=3 s=23
